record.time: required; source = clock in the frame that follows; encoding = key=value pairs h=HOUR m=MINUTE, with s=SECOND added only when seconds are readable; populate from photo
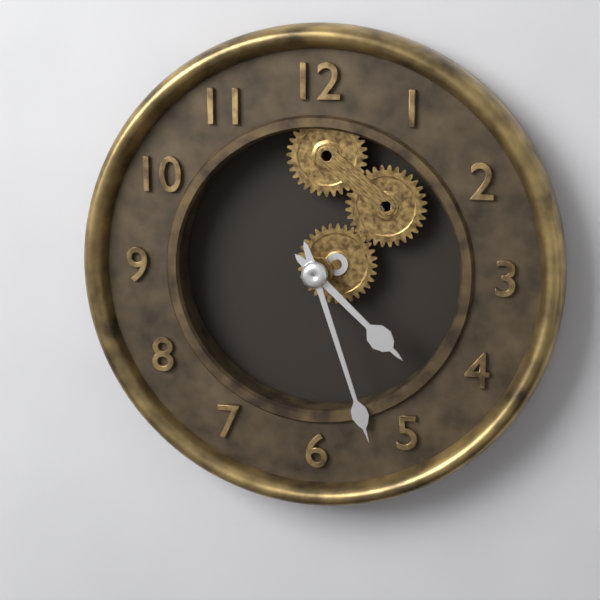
h=4 m=27
